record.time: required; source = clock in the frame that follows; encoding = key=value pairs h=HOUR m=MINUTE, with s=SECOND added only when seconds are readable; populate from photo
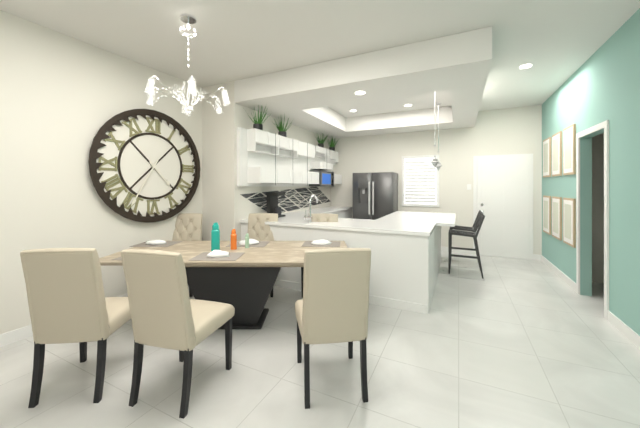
h=4 m=35
